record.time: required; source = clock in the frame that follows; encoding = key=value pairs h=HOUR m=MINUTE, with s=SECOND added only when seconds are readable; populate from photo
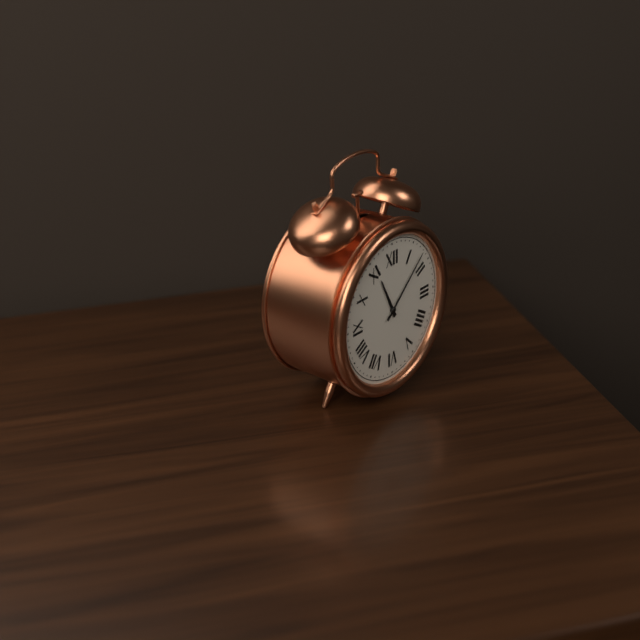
h=11 m=8
